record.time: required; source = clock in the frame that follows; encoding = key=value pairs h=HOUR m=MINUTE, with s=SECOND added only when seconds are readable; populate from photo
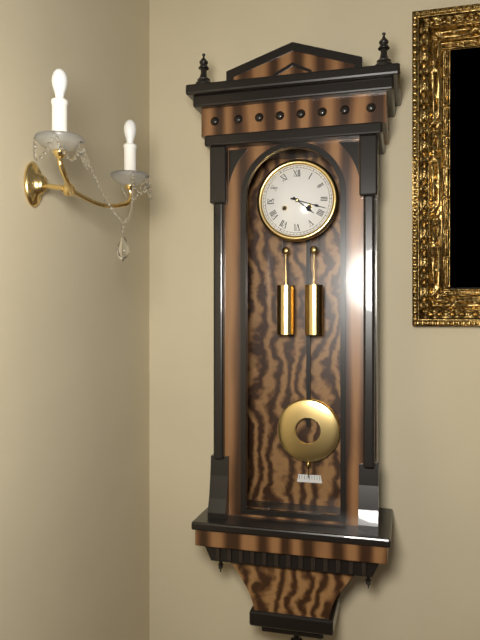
h=4 m=18
